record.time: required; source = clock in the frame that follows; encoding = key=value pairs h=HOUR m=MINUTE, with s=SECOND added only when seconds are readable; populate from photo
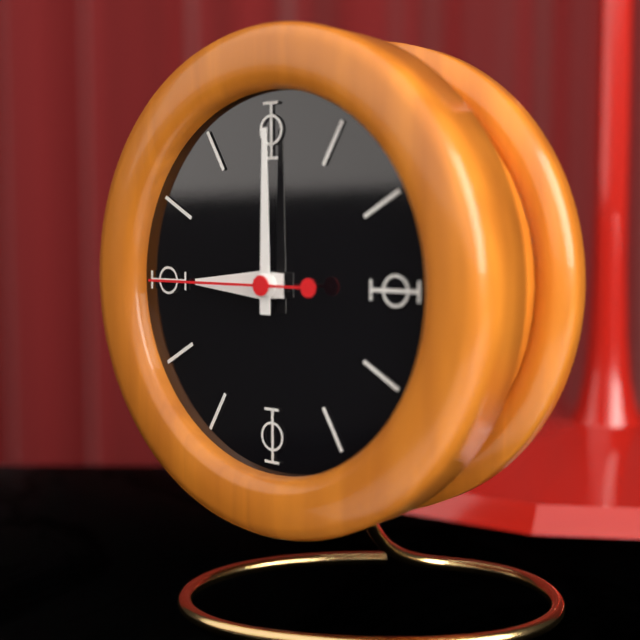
h=9 m=0 s=45
